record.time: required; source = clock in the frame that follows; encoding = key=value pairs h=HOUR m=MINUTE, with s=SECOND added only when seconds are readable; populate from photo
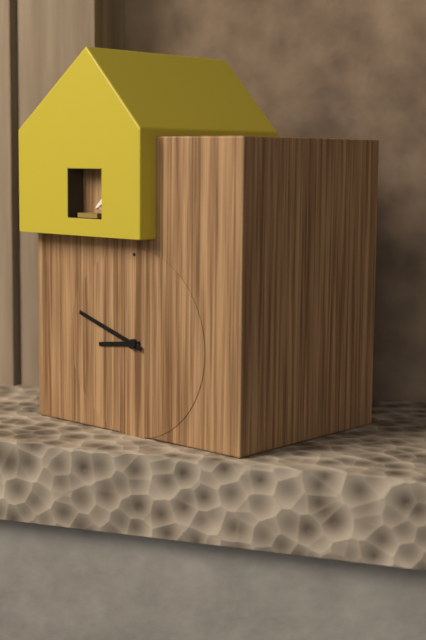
h=8 m=48
